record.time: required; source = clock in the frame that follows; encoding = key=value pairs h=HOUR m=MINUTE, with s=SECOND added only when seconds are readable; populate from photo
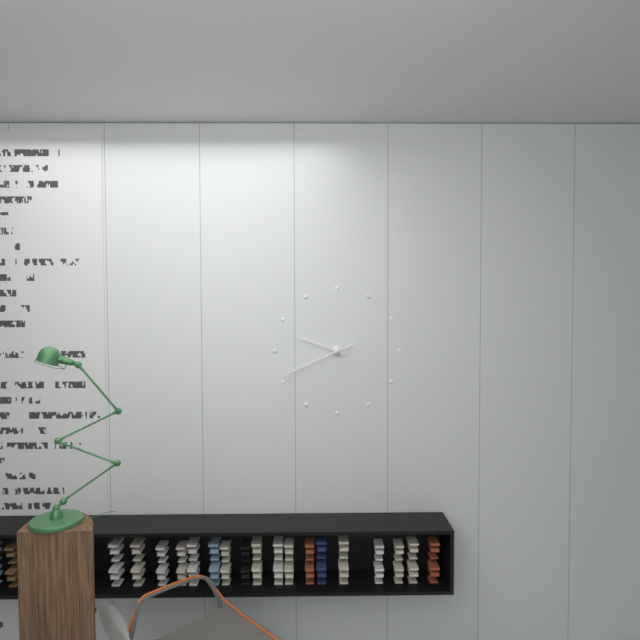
h=9 m=41
